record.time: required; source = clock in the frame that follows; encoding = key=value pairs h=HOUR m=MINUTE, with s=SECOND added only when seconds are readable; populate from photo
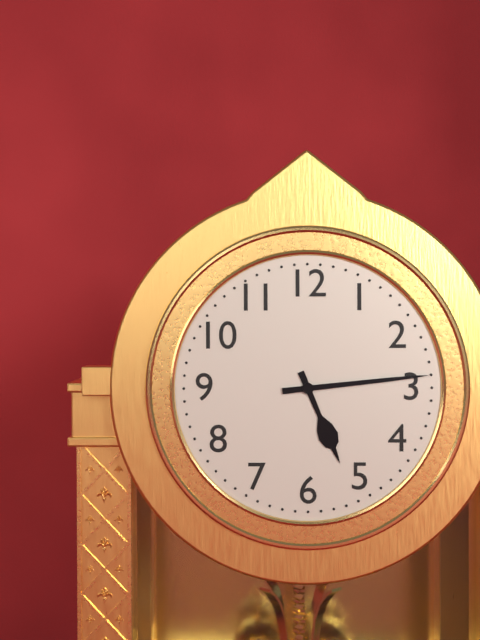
h=5 m=14
